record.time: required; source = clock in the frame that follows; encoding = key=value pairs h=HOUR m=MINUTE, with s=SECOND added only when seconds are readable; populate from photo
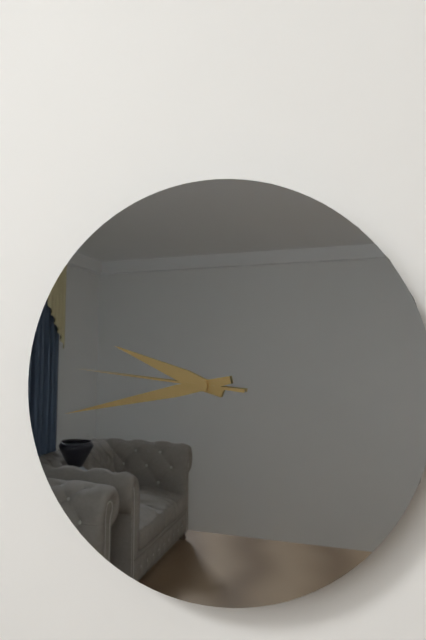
h=9 m=43 s=46
